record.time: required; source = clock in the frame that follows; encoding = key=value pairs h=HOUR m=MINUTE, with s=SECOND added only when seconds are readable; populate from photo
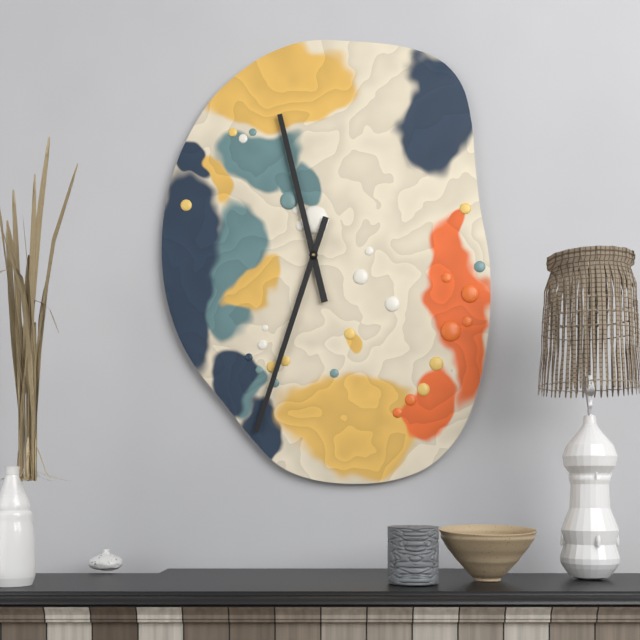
h=11 m=33
